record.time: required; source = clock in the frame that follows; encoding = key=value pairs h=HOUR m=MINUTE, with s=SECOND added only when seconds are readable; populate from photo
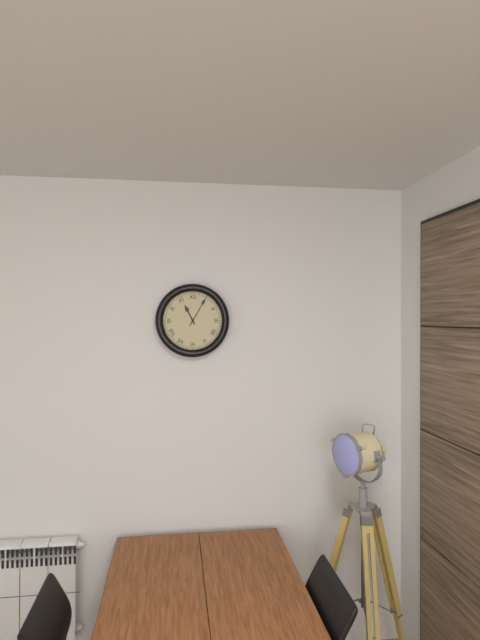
h=11 m=5
